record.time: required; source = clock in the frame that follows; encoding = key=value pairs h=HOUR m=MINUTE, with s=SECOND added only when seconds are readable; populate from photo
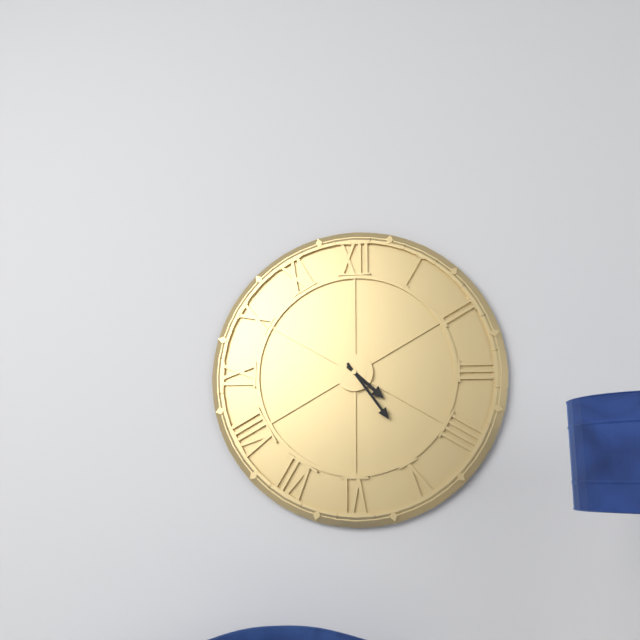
h=4 m=24
